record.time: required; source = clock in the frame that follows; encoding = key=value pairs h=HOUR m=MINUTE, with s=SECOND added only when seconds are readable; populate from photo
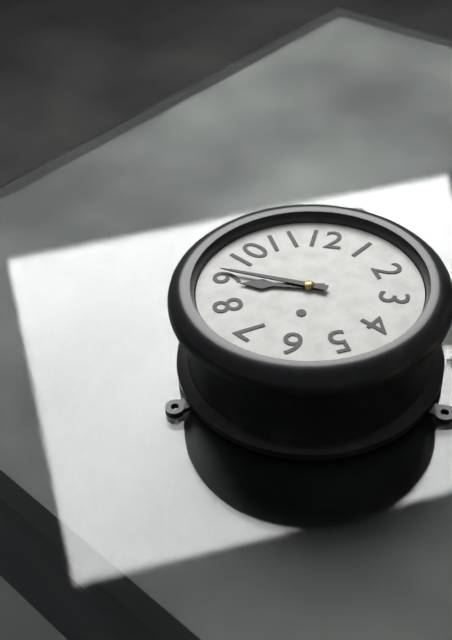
h=8 m=46
